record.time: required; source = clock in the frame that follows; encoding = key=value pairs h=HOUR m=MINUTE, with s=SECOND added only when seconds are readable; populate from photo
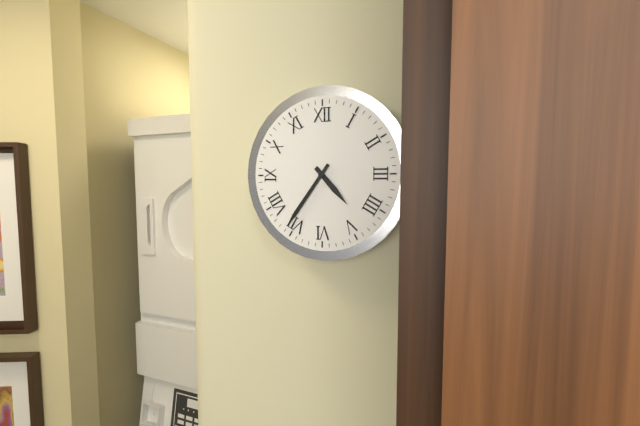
h=4 m=36
